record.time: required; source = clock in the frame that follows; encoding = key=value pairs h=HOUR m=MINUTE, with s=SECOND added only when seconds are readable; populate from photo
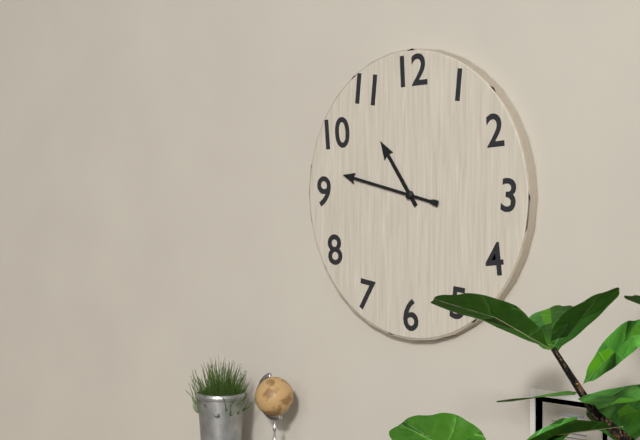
h=10 m=47
